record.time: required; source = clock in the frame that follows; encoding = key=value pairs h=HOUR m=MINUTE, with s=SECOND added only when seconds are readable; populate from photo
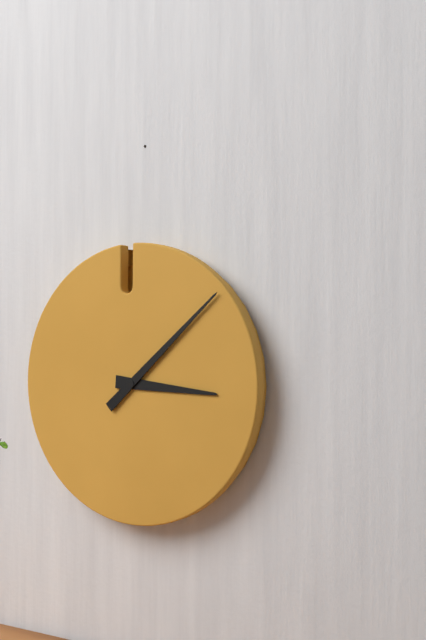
h=3 m=8
